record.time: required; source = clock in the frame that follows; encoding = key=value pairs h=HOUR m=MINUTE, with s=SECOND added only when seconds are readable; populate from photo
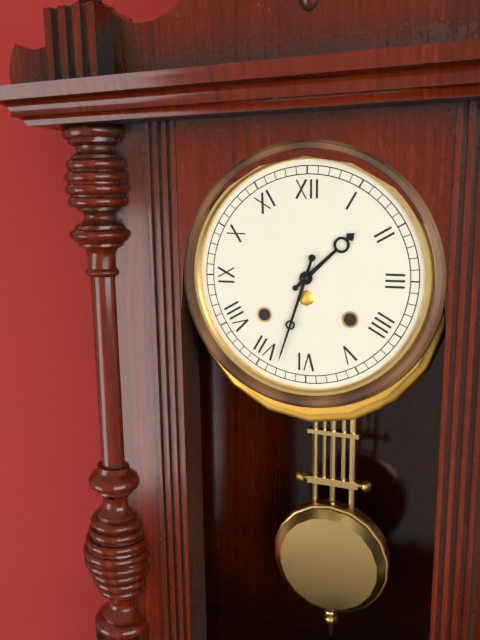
h=1 m=33
